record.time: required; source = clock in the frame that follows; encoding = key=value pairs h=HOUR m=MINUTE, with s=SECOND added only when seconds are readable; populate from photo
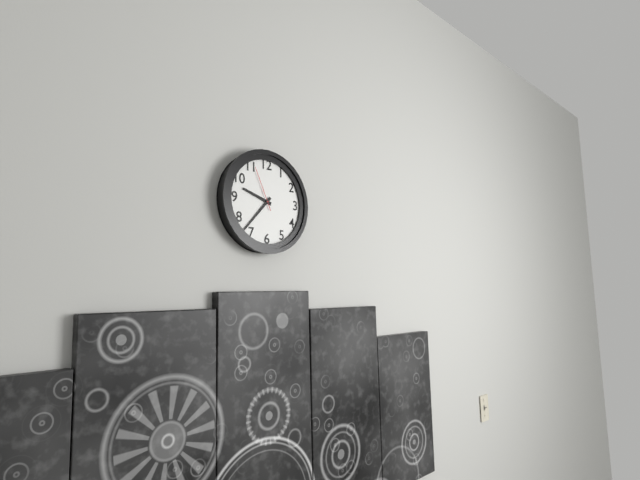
h=9 m=37
